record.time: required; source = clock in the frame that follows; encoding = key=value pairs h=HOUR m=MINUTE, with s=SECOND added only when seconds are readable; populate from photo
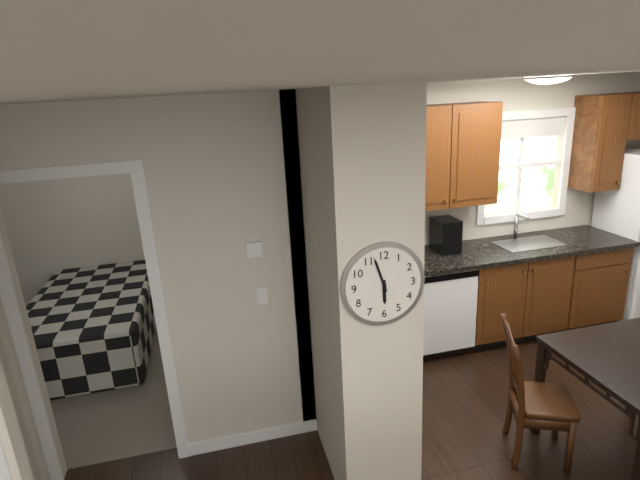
h=5 m=57
